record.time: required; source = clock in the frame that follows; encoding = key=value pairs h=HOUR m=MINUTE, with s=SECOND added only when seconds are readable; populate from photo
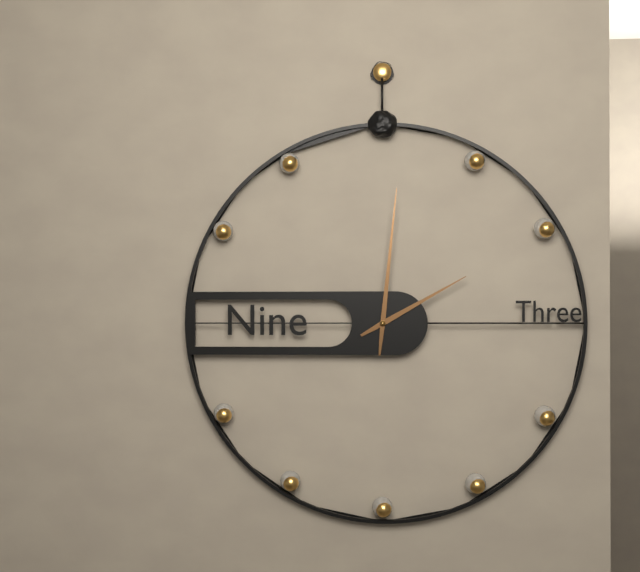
h=2 m=1
